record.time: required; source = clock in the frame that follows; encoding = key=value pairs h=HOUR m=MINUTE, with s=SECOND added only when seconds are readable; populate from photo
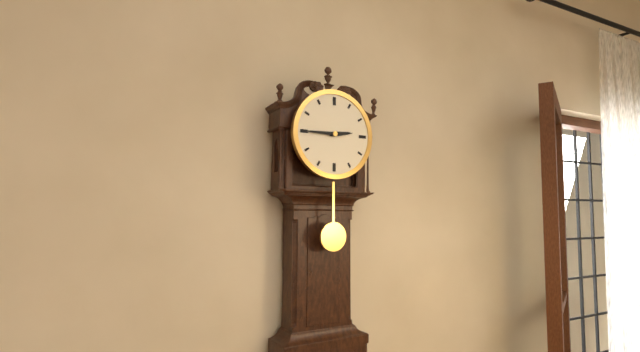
h=2 m=45
